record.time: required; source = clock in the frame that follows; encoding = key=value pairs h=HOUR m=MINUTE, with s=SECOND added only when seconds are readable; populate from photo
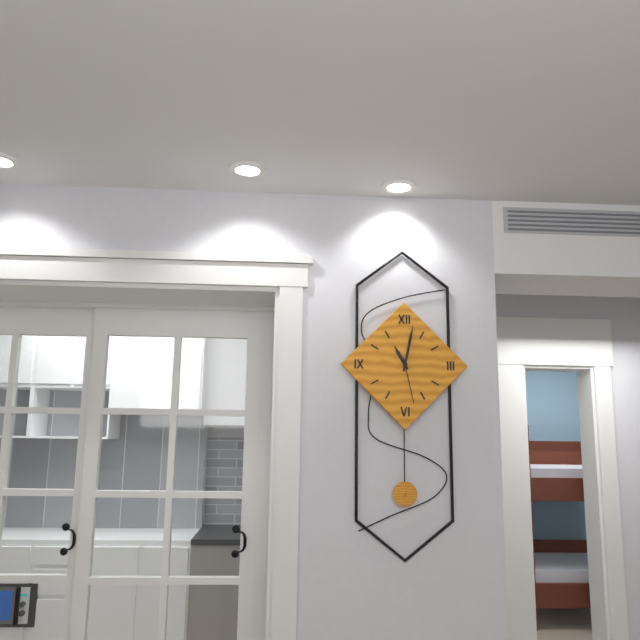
h=11 m=2
